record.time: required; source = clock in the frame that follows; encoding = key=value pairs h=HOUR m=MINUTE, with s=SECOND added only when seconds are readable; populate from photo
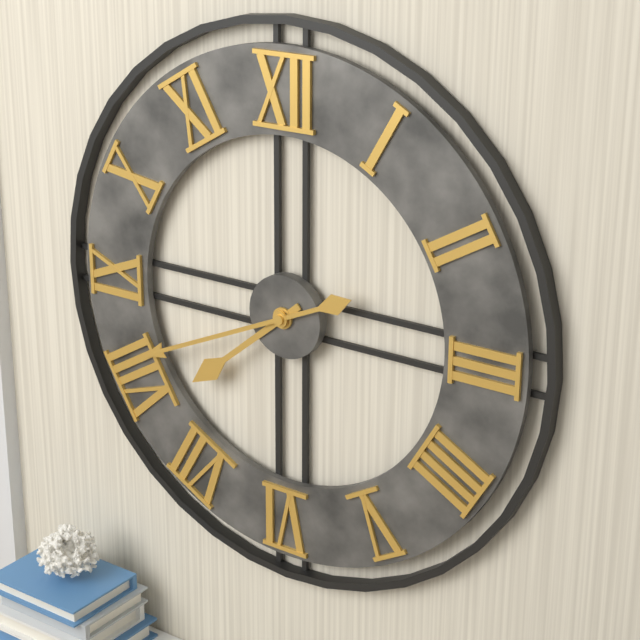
h=7 m=41
